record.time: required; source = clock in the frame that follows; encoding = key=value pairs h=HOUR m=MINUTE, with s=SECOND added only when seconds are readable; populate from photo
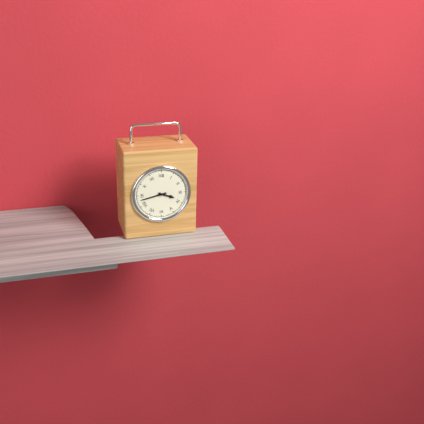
h=3 m=43
